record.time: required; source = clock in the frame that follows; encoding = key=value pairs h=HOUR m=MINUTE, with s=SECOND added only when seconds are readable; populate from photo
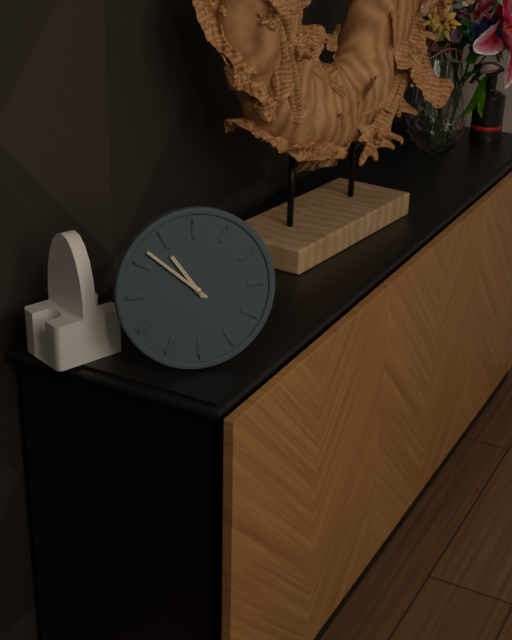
h=10 m=52
